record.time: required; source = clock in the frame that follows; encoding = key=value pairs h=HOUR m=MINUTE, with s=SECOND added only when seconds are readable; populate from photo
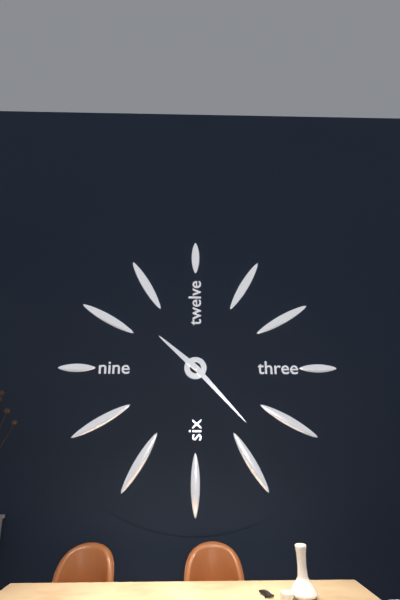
h=10 m=23
